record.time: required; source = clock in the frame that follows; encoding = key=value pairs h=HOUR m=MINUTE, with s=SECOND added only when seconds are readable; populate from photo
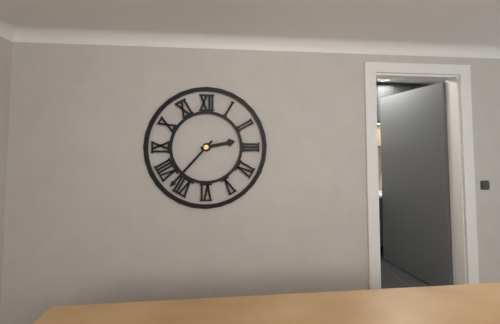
h=2 m=37
